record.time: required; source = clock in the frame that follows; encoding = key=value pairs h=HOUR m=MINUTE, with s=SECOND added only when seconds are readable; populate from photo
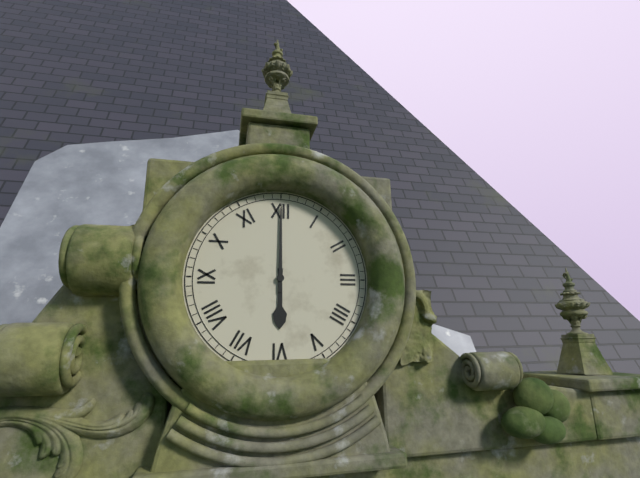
h=6 m=0
